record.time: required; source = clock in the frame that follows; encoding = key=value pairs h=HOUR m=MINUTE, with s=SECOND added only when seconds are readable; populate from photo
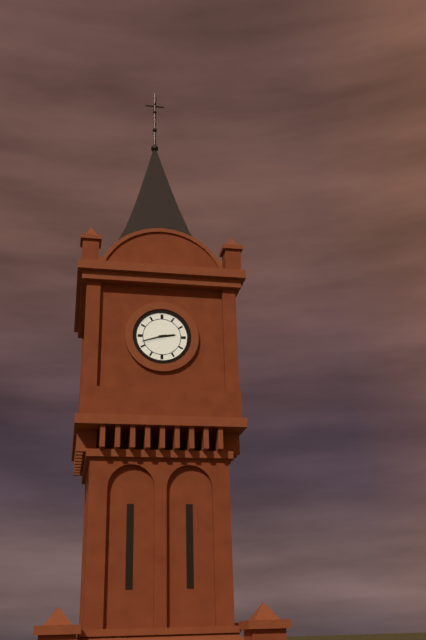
h=2 m=42
